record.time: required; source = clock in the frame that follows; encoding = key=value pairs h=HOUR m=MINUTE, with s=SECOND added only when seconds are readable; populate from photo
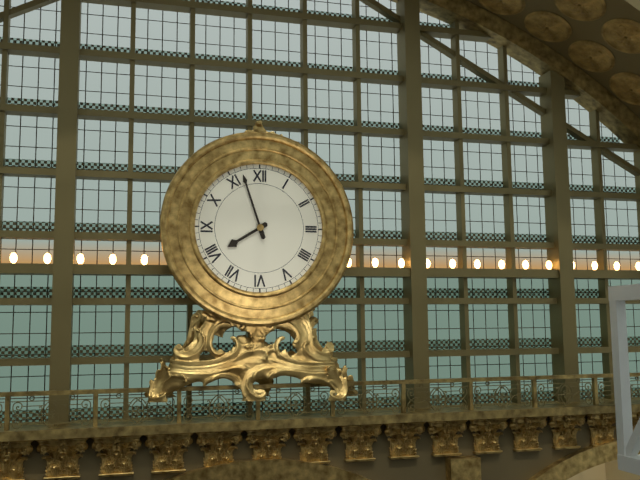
h=7 m=57
